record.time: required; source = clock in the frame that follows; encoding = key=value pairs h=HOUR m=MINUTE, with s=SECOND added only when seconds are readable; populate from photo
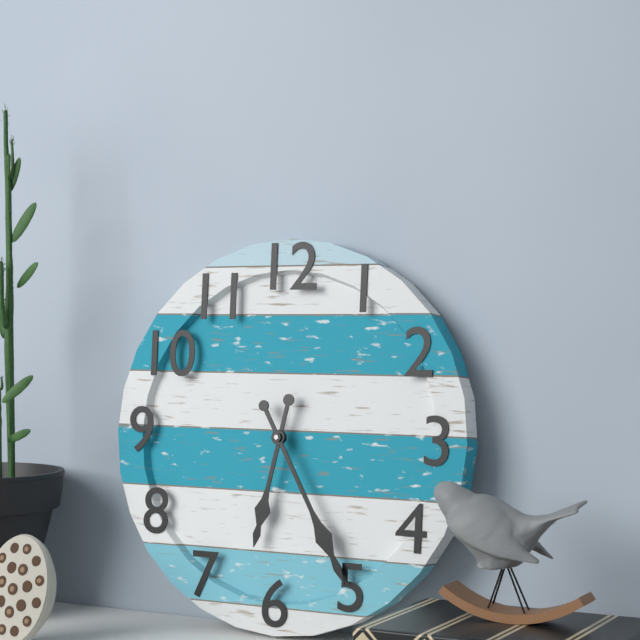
h=6 m=25
